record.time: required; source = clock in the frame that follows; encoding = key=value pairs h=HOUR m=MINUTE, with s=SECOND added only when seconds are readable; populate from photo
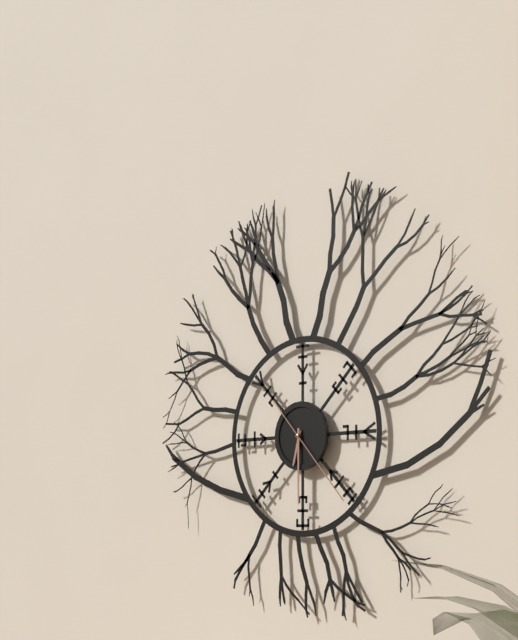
h=6 m=30 s=23
